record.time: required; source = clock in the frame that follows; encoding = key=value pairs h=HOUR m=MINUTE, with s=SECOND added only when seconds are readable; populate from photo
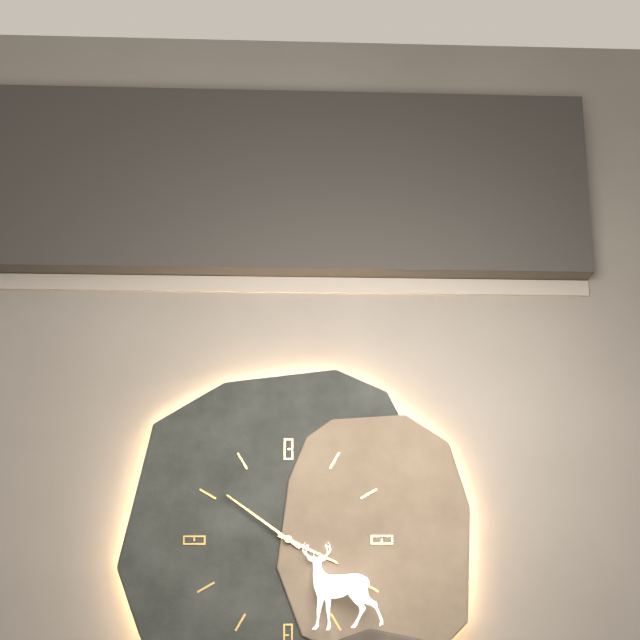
h=3 m=51
